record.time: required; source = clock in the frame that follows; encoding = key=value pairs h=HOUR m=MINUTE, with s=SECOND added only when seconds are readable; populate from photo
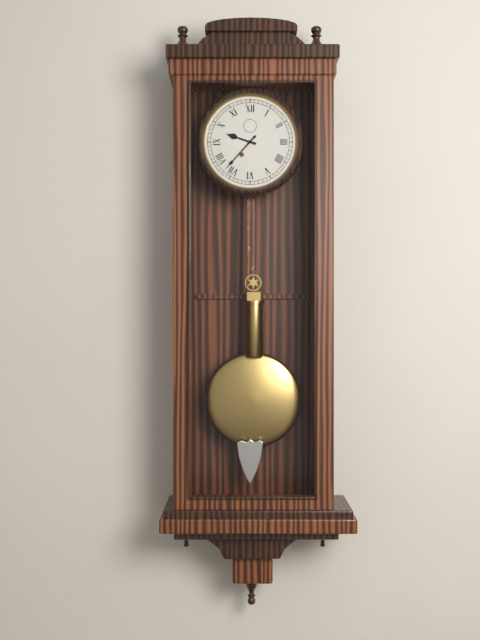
h=9 m=37
